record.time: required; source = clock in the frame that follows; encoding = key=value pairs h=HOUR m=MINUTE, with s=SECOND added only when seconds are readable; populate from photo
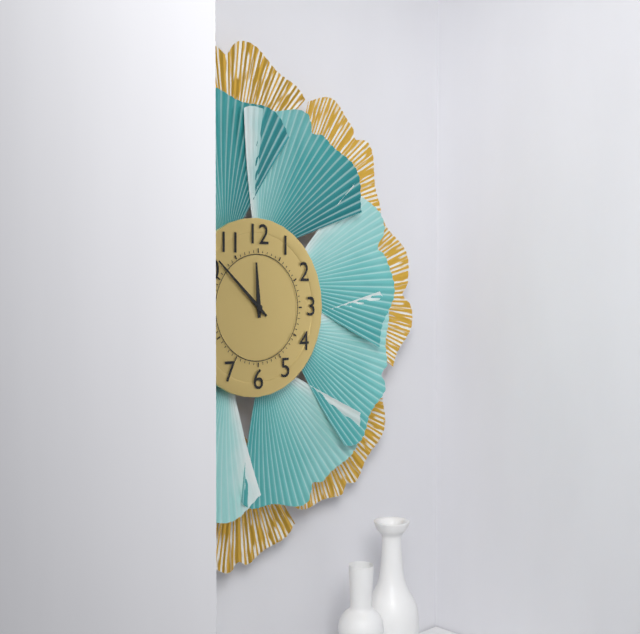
h=11 m=52
